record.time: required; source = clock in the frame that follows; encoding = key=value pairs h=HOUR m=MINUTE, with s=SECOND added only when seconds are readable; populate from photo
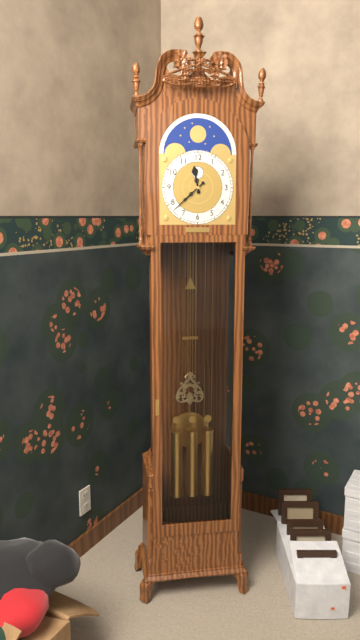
h=11 m=38
